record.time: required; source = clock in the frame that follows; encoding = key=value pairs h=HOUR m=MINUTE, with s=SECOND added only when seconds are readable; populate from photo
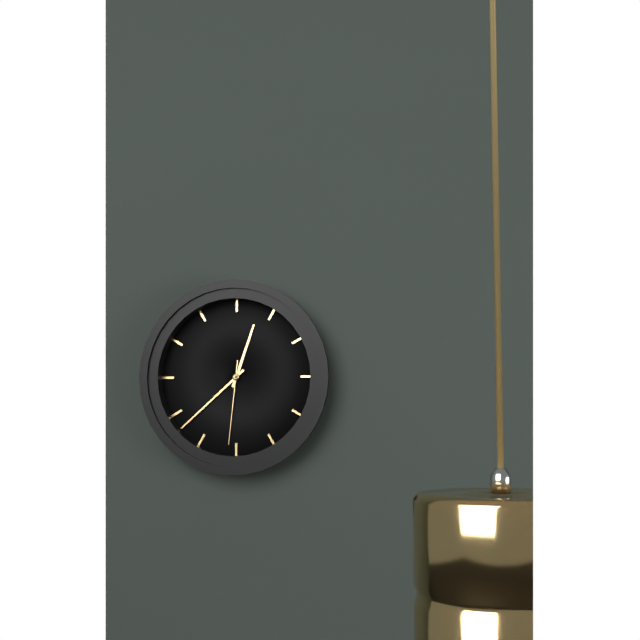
h=12 m=38 s=31
